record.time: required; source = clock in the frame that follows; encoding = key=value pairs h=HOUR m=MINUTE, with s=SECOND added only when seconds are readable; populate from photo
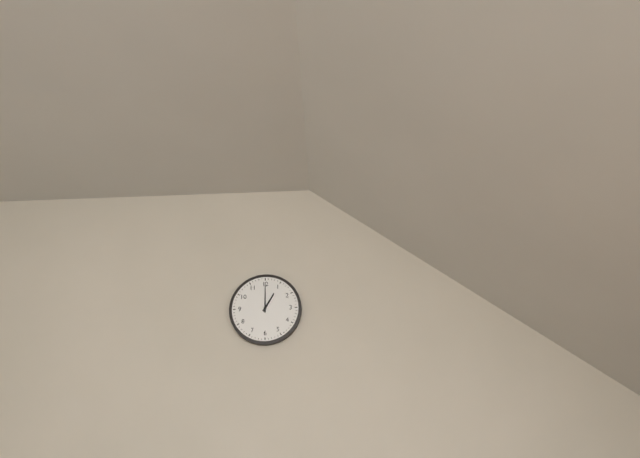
h=1 m=0
